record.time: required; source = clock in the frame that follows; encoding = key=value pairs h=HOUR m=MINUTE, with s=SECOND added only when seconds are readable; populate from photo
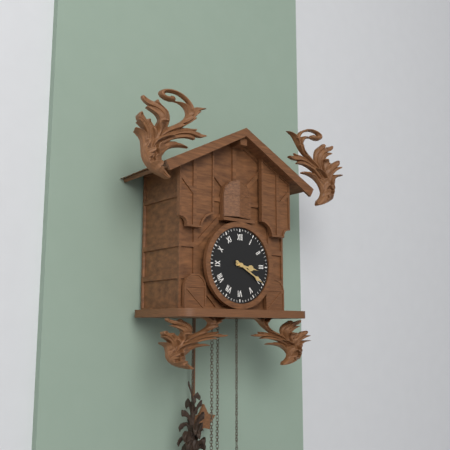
h=3 m=20
